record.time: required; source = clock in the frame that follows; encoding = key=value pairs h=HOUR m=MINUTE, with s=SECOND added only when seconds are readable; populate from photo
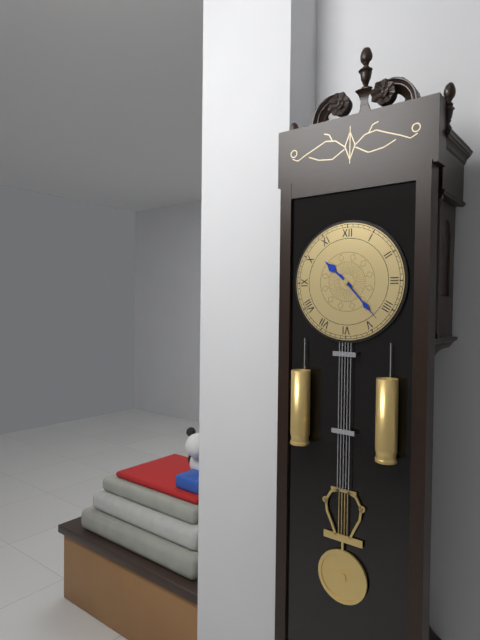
h=10 m=23
